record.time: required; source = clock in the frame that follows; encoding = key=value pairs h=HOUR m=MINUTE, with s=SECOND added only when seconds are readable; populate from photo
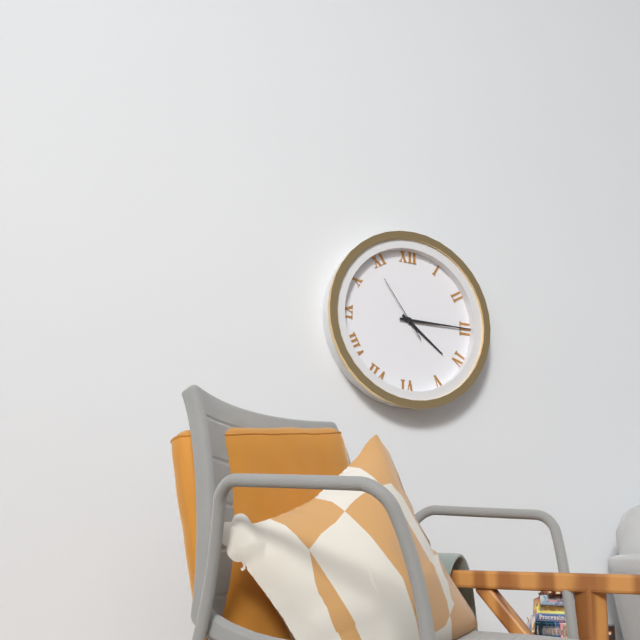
h=4 m=15 s=54
